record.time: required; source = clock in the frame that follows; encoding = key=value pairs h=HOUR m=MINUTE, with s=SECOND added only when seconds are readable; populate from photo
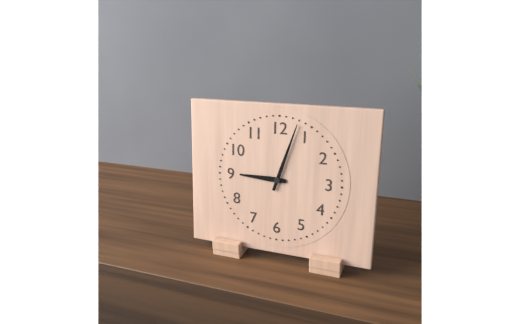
h=9 m=3
